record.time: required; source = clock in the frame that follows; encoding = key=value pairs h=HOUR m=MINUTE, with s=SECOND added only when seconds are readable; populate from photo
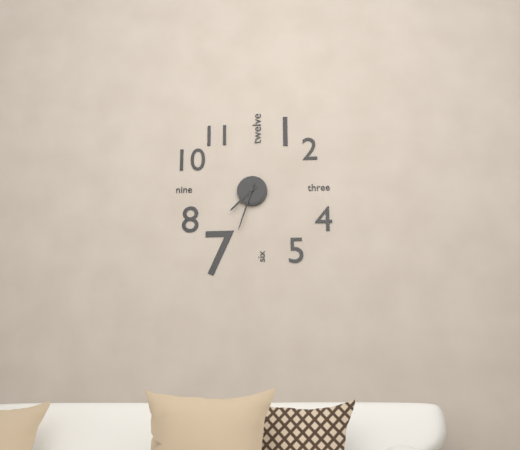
h=7 m=33
